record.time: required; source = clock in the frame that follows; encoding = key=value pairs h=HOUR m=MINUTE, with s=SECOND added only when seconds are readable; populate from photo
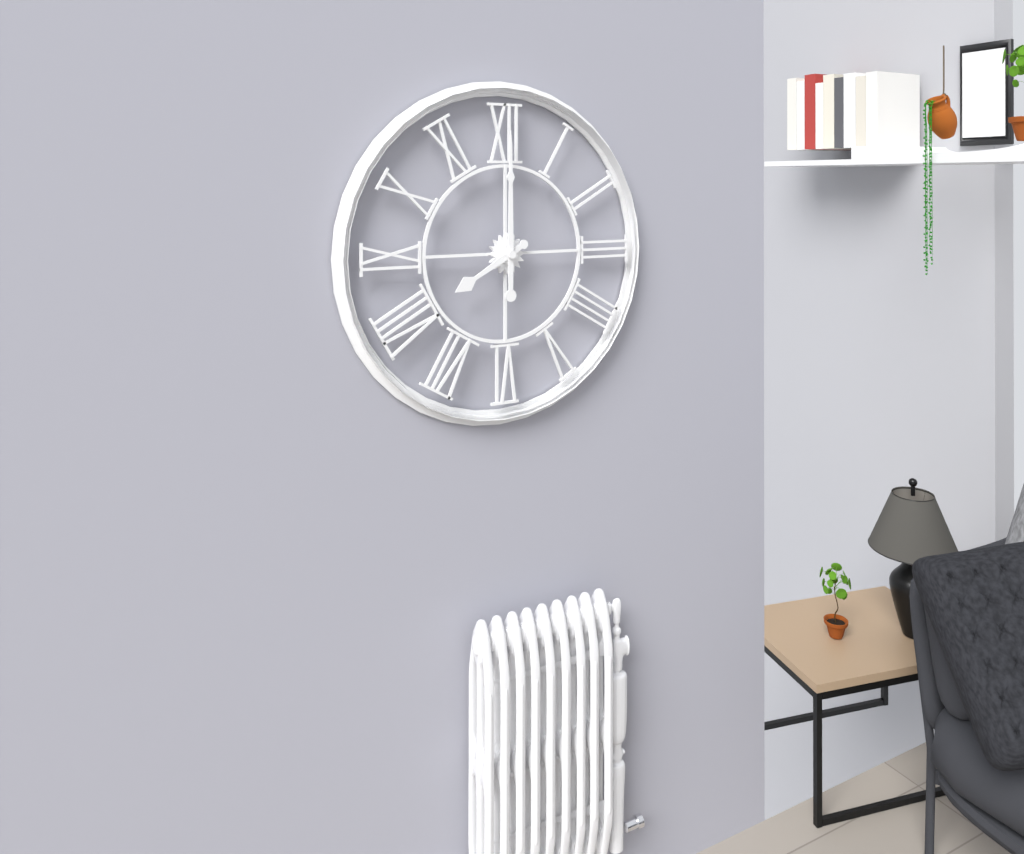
h=8 m=0
